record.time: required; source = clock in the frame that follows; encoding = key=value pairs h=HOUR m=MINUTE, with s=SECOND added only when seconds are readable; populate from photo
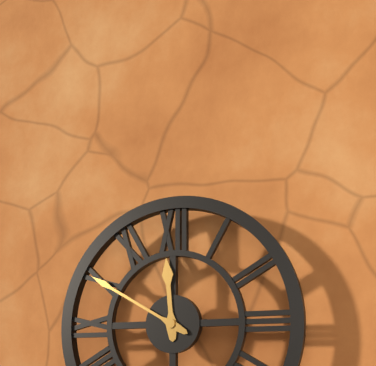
h=11 m=50
